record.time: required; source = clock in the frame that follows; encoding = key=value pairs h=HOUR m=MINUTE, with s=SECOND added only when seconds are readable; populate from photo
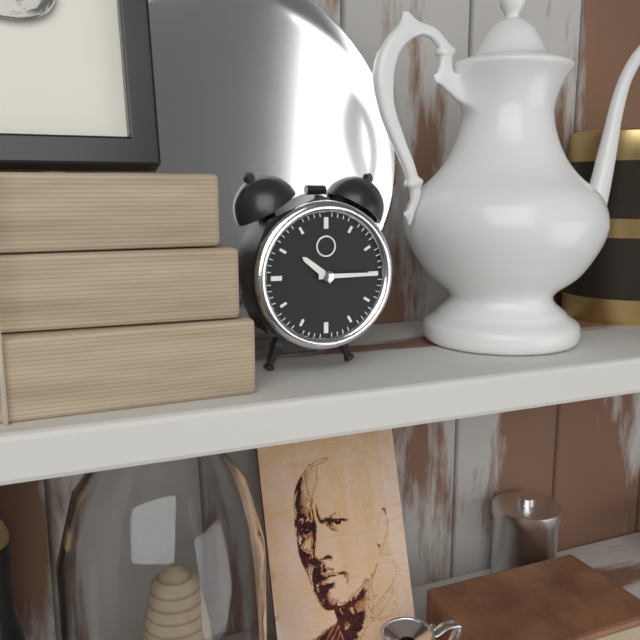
h=10 m=15
